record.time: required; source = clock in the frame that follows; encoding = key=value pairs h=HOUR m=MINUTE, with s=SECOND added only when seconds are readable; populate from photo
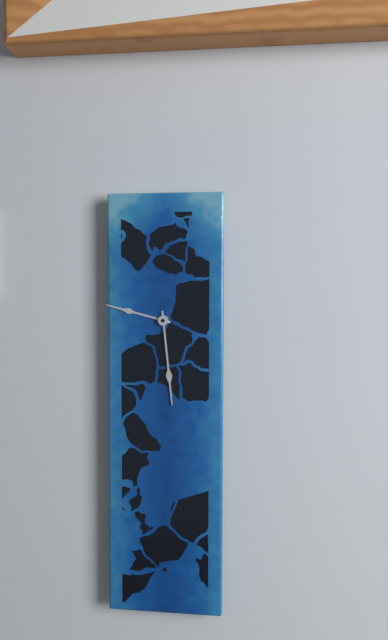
h=9 m=29
